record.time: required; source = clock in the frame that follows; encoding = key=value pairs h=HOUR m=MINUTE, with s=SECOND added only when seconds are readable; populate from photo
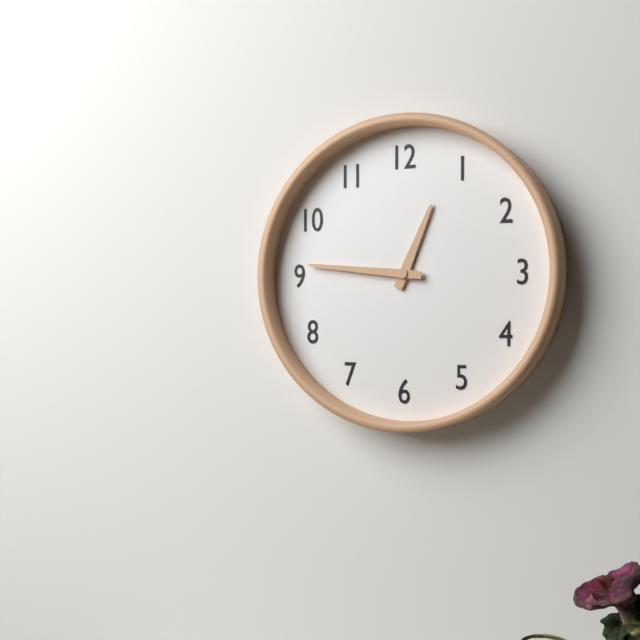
h=12 m=46
